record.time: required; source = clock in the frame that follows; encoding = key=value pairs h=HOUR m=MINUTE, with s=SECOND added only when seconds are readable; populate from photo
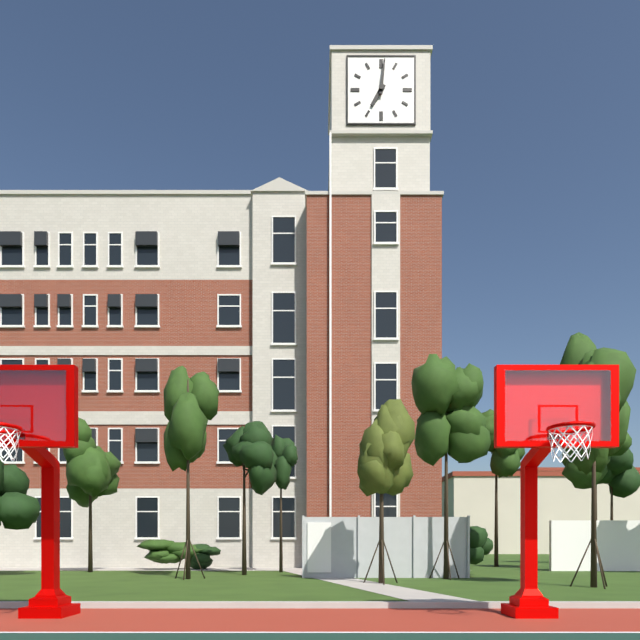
h=7 m=1
